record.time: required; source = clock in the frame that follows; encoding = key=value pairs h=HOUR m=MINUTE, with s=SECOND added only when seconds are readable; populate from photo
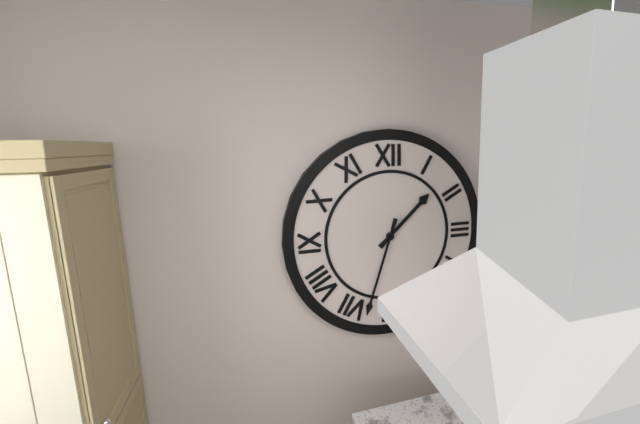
h=1 m=33
